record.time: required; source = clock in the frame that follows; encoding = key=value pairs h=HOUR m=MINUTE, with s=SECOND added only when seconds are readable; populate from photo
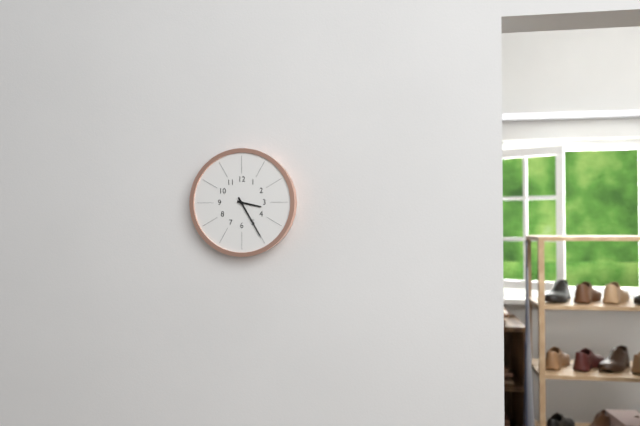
h=3 m=25
